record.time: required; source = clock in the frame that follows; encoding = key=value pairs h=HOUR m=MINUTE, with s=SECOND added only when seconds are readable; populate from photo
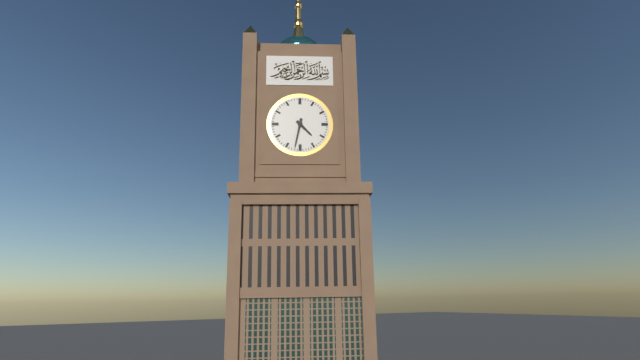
h=4 m=32
